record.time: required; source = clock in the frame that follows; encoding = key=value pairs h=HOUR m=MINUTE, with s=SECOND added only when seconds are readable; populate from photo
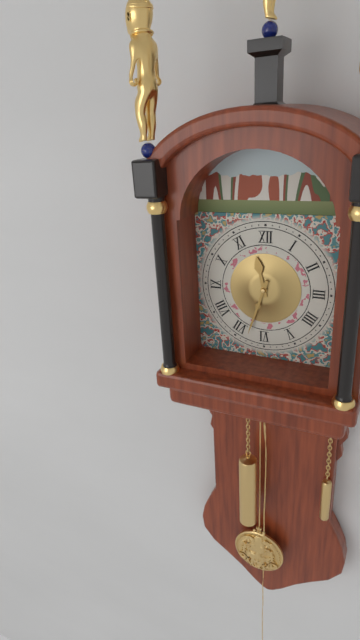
h=11 m=33
